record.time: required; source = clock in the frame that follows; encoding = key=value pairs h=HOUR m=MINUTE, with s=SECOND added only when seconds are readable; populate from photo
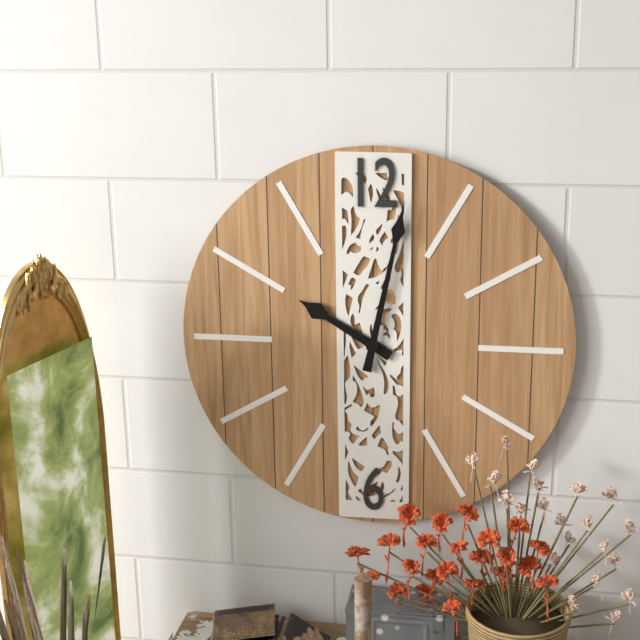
h=10 m=2
